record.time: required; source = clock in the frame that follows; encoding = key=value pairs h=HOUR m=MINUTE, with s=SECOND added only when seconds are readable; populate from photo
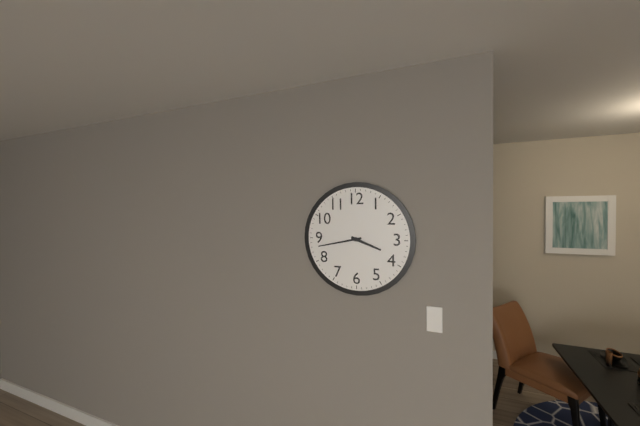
h=3 m=43
